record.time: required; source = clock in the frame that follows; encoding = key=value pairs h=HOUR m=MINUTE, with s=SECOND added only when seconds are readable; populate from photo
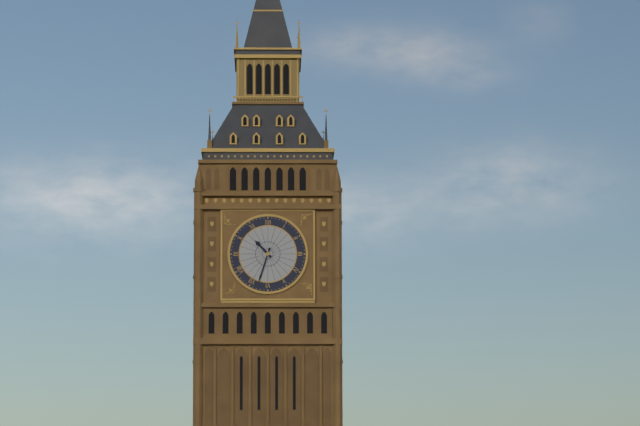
h=10 m=33
